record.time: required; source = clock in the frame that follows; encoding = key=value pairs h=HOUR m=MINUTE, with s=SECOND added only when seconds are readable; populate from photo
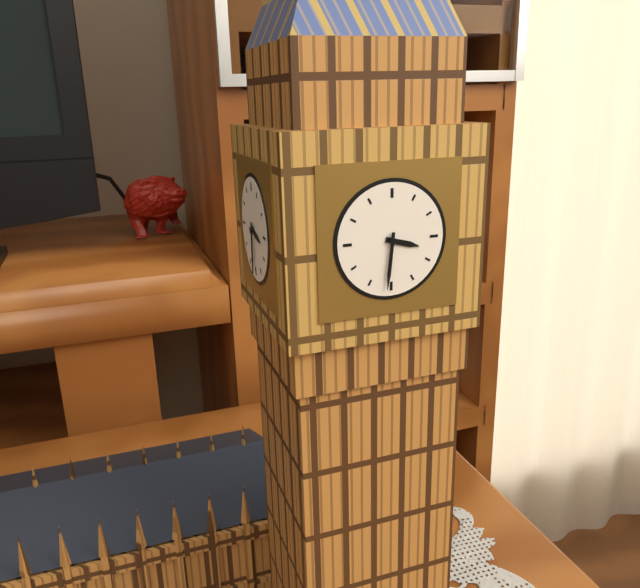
h=3 m=31
